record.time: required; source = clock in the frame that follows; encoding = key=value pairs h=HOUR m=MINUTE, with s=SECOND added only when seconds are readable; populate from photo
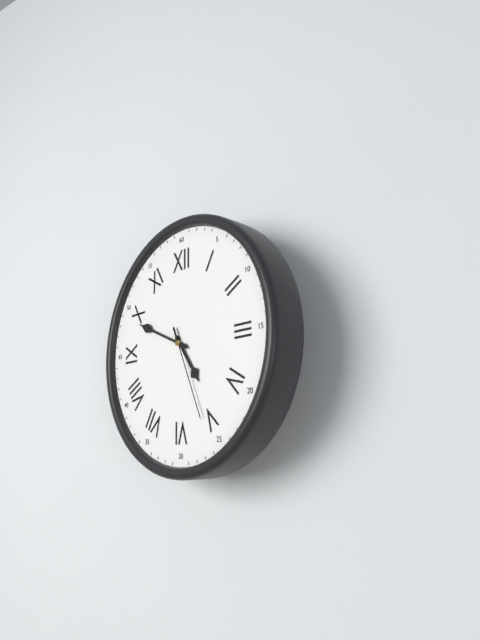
h=4 m=49 s=26
